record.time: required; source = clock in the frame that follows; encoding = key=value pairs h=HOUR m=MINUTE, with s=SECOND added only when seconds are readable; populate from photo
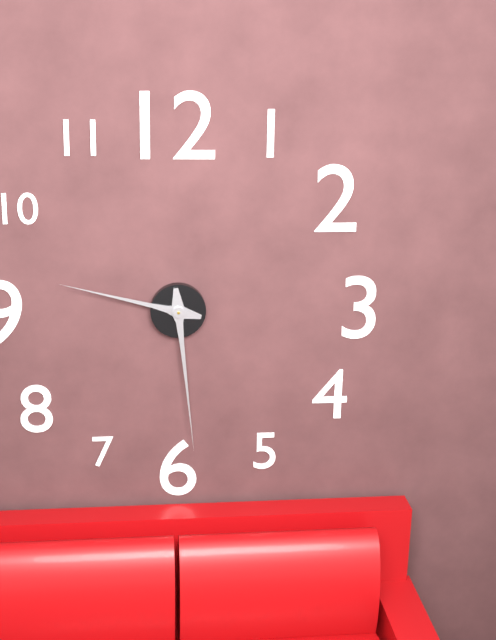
h=9 m=29
